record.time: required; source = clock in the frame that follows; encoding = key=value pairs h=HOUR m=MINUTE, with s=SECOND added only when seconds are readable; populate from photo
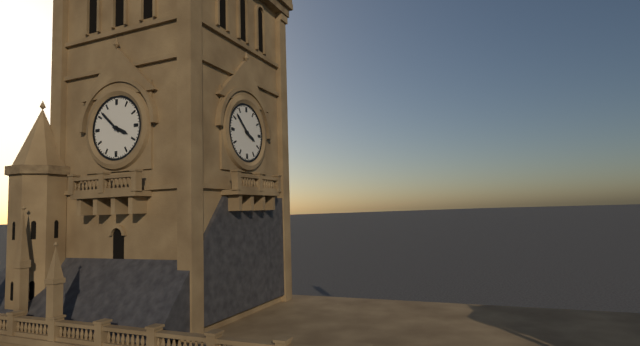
h=3 m=52
